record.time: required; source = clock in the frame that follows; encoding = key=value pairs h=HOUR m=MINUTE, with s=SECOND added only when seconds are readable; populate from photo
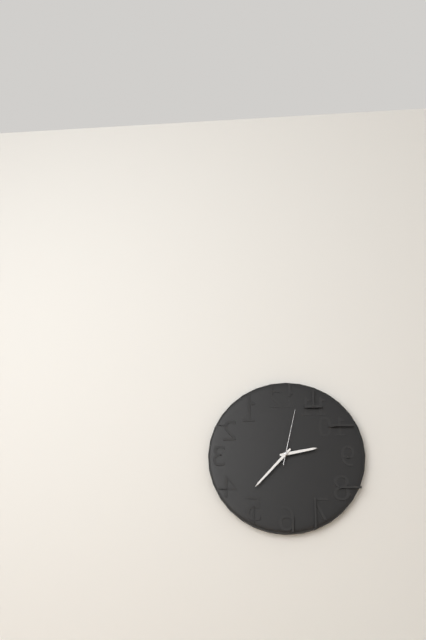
h=2 m=37 s=2
